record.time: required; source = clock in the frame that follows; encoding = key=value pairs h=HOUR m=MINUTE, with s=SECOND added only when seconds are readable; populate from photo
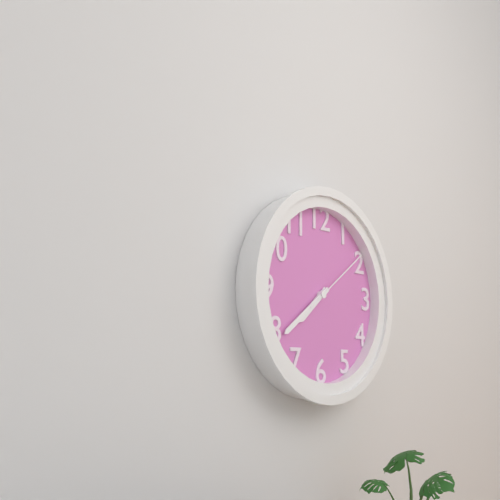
h=7 m=39 s=9
